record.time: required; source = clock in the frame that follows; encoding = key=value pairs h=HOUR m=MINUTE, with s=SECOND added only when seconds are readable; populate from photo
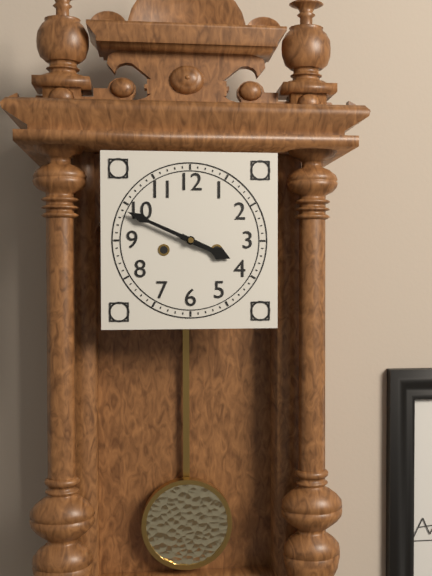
h=3 m=49
